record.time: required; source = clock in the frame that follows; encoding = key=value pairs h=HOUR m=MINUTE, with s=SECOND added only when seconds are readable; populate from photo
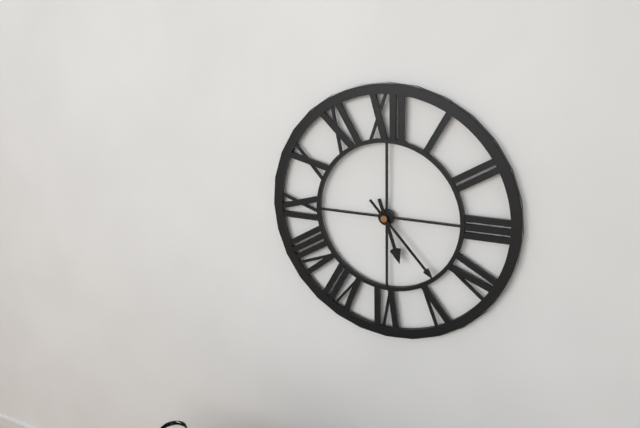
h=5 m=23
